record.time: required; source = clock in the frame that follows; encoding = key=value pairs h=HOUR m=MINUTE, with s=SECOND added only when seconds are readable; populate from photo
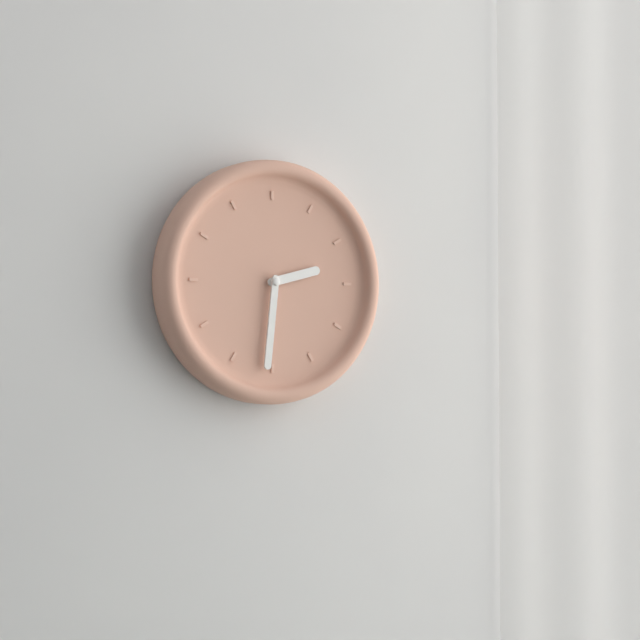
h=2 m=31
